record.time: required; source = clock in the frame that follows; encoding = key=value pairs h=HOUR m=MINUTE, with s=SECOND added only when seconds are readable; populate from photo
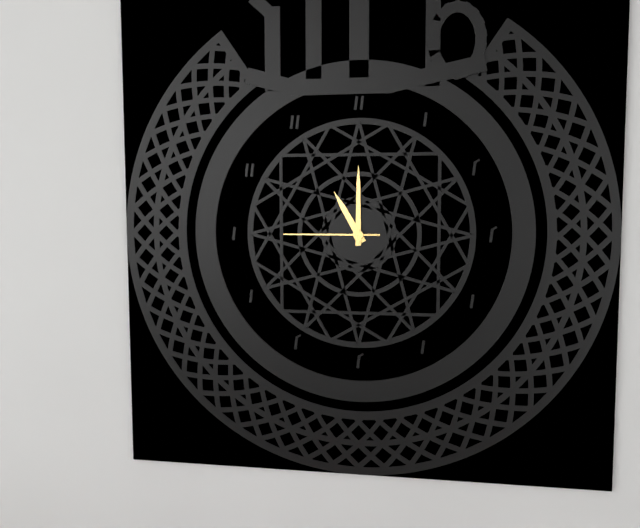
h=11 m=0 s=45
